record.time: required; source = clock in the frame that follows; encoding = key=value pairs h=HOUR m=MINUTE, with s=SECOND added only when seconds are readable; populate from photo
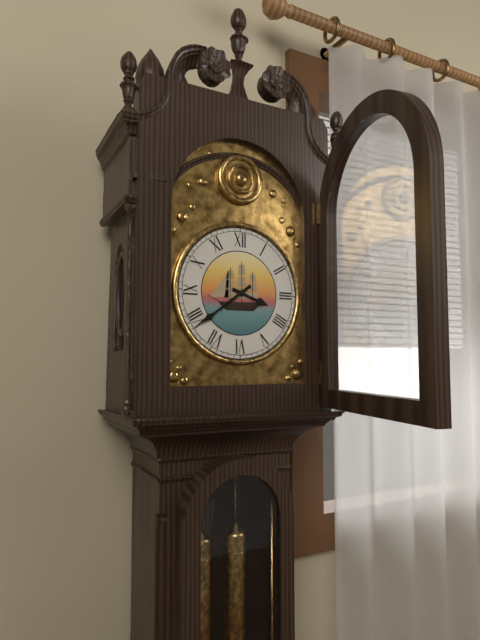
h=3 m=39
